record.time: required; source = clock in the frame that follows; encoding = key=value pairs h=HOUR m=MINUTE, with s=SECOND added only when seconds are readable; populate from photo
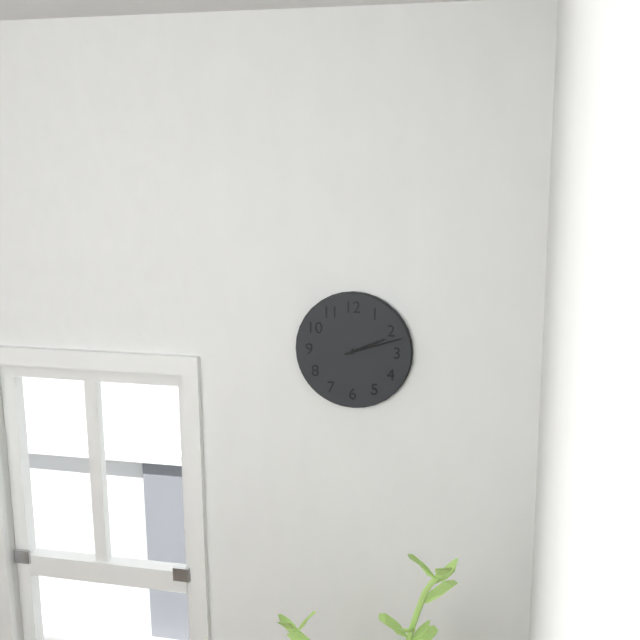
h=2 m=12
